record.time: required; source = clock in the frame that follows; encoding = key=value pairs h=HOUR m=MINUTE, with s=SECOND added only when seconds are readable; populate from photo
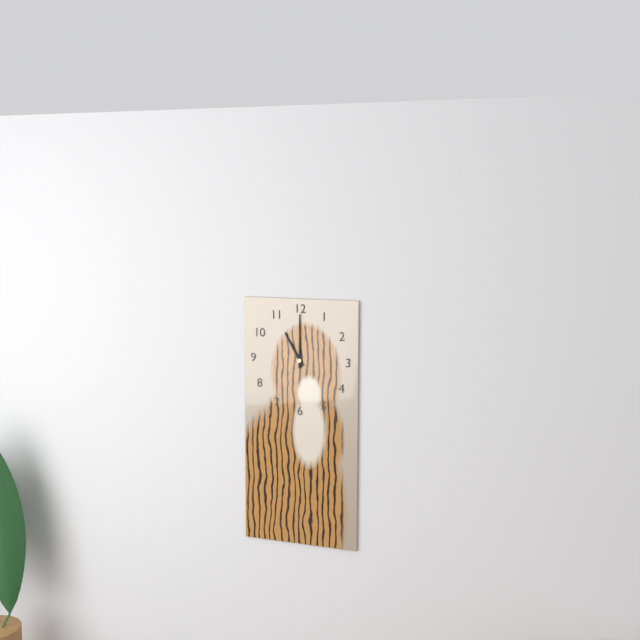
h=11 m=0
